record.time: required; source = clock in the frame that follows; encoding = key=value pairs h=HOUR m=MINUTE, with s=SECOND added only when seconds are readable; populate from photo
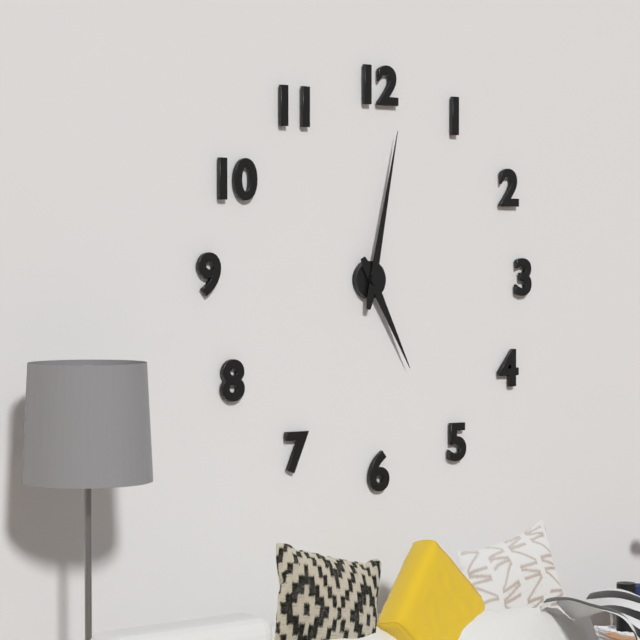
h=5 m=2
